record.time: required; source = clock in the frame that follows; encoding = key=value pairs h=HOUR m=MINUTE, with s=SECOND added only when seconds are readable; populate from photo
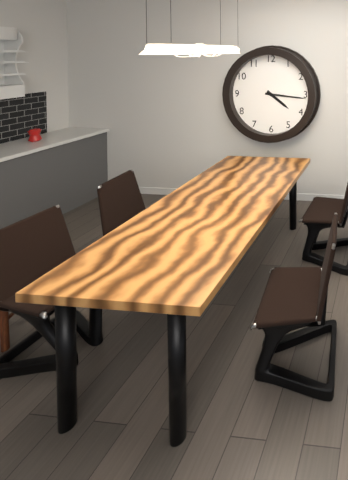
h=4 m=16
